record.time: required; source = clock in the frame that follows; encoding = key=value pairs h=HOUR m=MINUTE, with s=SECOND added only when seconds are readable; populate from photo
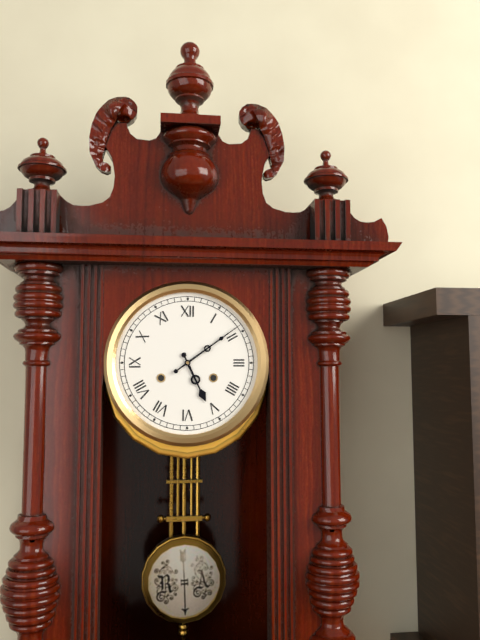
h=5 m=9
